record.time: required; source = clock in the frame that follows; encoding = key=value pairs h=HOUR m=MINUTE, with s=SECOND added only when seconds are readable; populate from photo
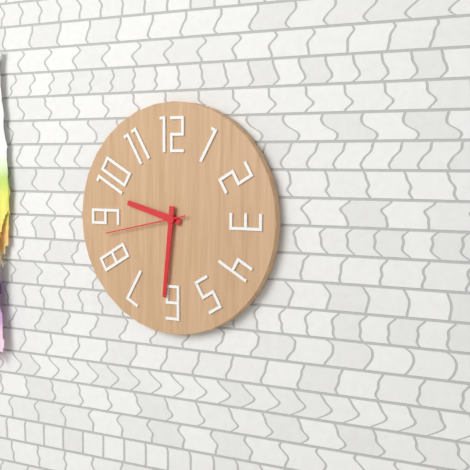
h=9 m=31 s=43
